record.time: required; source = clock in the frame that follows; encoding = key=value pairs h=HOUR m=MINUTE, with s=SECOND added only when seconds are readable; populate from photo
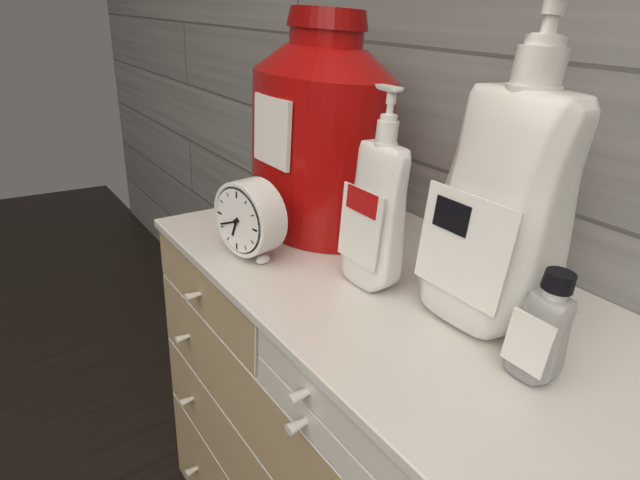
h=6 m=41
